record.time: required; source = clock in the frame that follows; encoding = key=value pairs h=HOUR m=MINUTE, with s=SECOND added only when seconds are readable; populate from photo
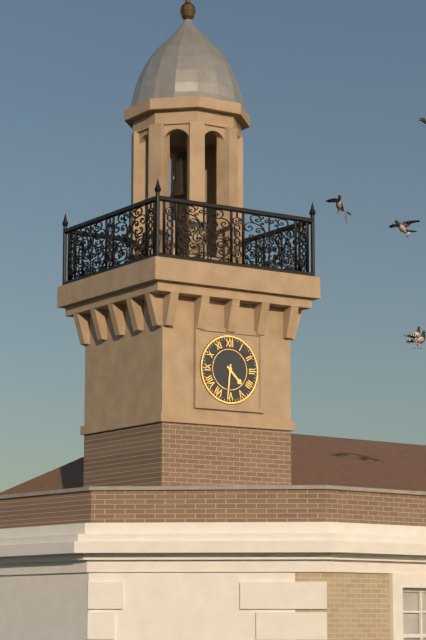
h=4 m=31
